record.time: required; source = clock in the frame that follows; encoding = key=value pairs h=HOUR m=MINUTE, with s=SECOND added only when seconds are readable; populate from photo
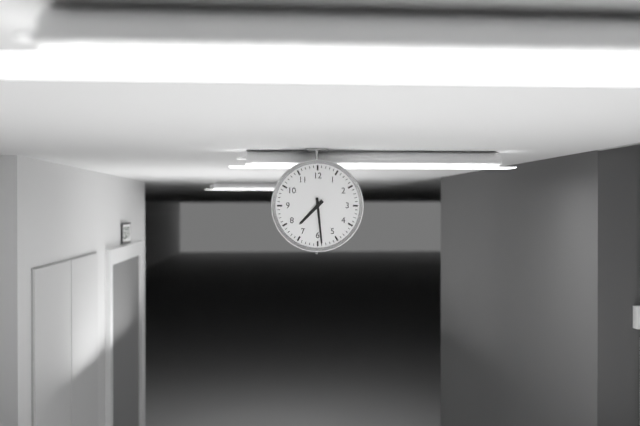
h=7 m=29
